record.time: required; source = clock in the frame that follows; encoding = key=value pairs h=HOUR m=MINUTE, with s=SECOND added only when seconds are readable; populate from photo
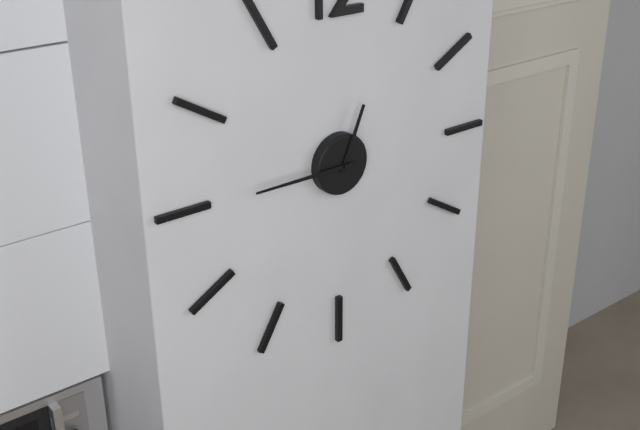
h=12 m=45
